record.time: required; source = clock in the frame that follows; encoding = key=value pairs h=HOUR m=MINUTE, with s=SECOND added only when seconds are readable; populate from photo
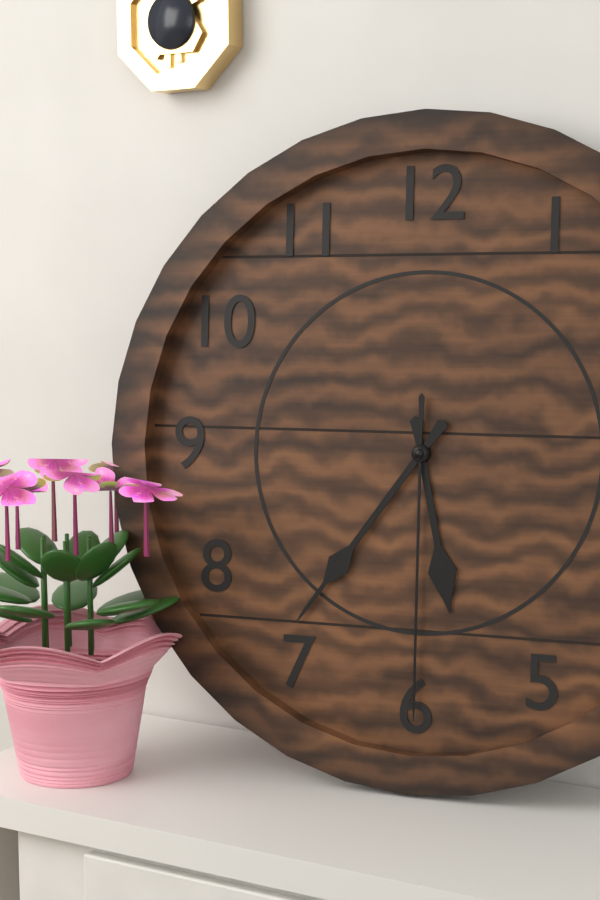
h=5 m=36 s=30
